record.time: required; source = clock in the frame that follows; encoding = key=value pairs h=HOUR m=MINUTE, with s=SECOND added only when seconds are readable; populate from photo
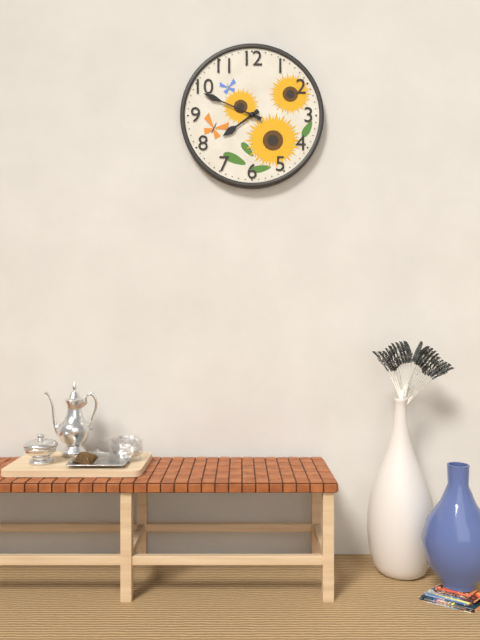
h=7 m=49
